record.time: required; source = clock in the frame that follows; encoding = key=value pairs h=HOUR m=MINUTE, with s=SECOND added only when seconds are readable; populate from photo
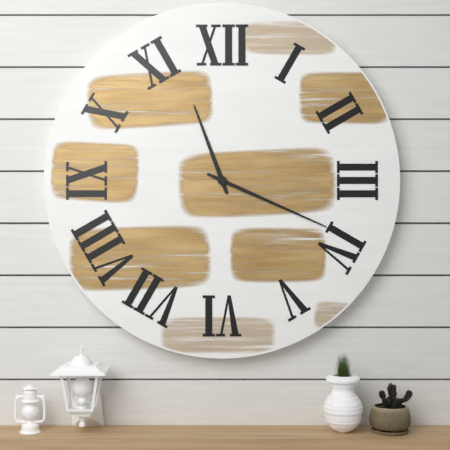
h=11 m=19
